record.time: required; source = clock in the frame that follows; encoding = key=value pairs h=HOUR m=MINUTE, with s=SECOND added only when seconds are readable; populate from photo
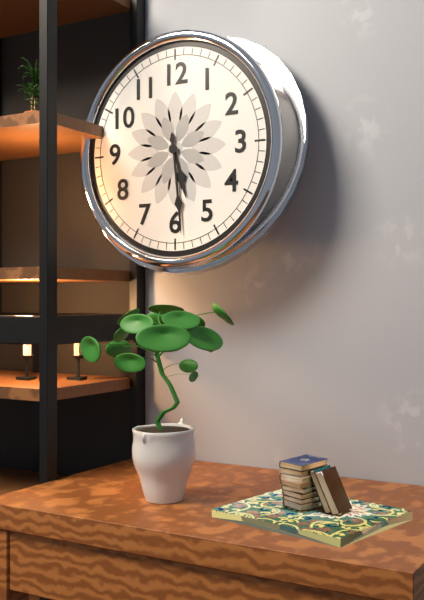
h=5 m=29
